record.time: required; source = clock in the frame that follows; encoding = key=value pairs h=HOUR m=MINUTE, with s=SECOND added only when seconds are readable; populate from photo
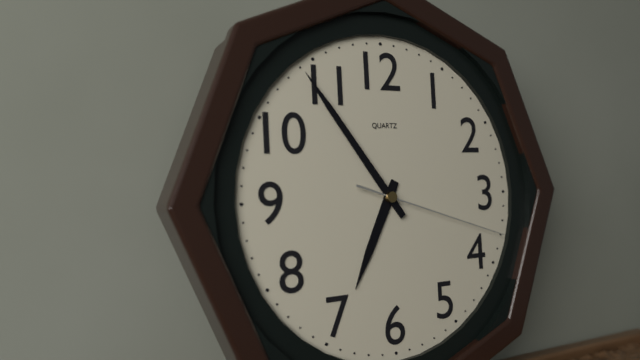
h=6 m=54 s=18
